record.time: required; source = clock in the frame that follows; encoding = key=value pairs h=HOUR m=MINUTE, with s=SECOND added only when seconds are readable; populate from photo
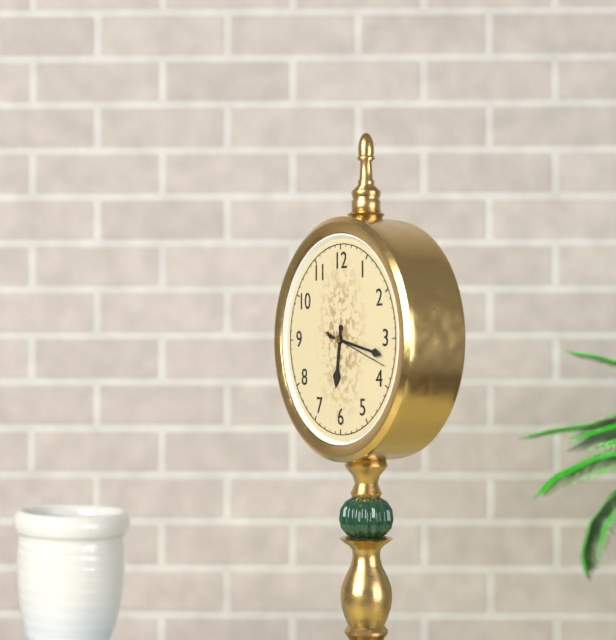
h=6 m=17 s=18
